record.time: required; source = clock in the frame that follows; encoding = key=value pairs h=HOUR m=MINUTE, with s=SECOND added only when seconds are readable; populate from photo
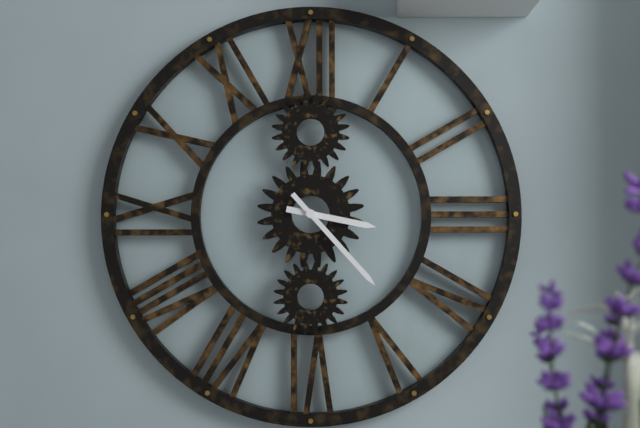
h=3 m=23
